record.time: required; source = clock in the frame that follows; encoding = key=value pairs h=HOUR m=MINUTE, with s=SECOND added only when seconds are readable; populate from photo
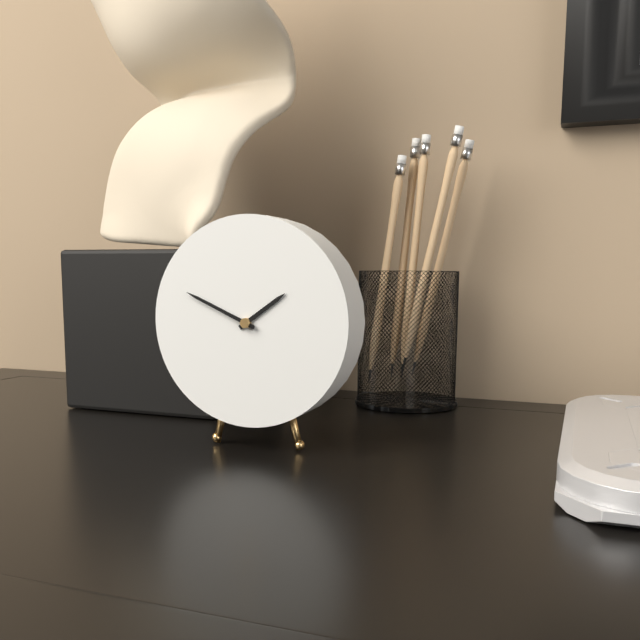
h=1 m=49
